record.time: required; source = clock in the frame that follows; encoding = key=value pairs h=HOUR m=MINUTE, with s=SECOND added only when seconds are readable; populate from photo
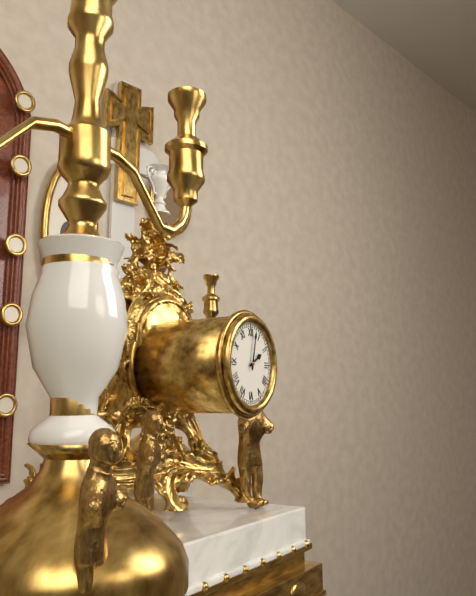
h=2 m=2
